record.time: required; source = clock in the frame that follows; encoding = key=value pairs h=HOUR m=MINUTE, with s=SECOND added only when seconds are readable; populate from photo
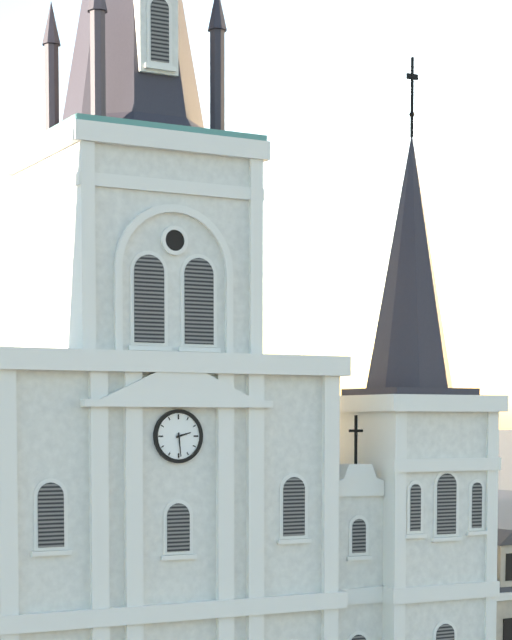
h=2 m=29
